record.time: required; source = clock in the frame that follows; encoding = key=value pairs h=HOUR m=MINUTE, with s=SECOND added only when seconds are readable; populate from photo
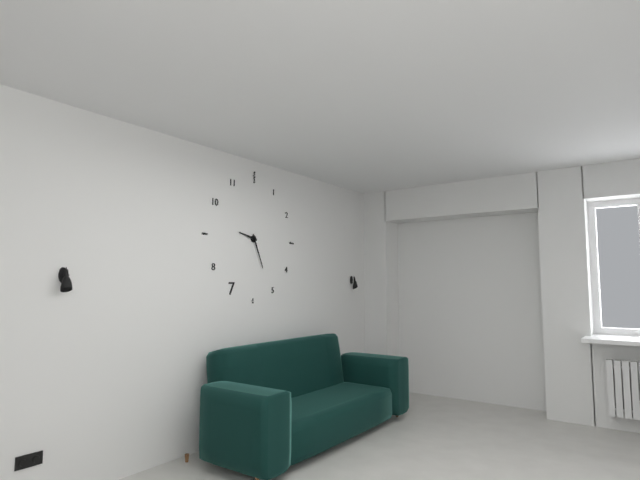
h=9 m=26
